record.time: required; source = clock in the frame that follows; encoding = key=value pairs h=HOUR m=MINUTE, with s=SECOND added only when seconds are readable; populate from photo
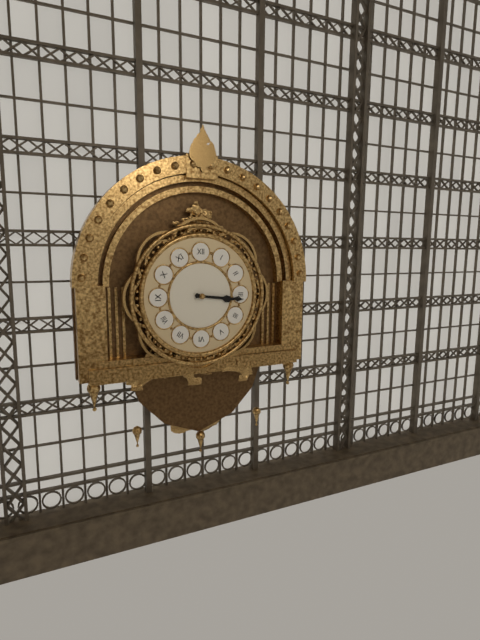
h=3 m=16
